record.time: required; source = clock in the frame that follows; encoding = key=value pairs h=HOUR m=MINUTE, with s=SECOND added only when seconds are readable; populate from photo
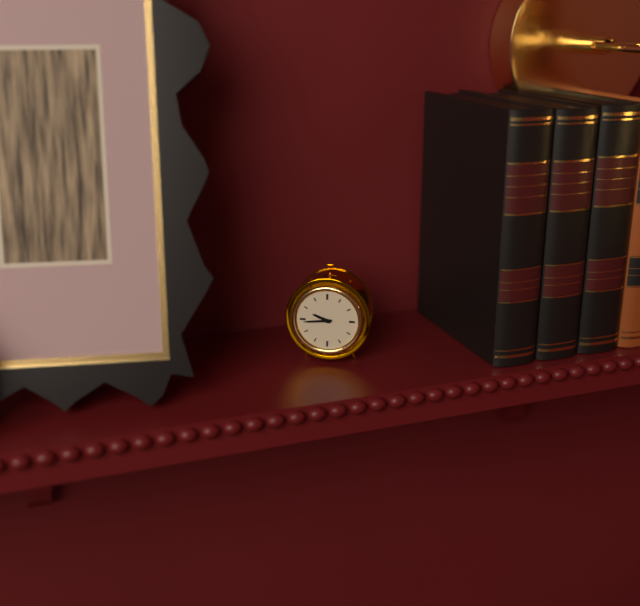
h=9 m=44
